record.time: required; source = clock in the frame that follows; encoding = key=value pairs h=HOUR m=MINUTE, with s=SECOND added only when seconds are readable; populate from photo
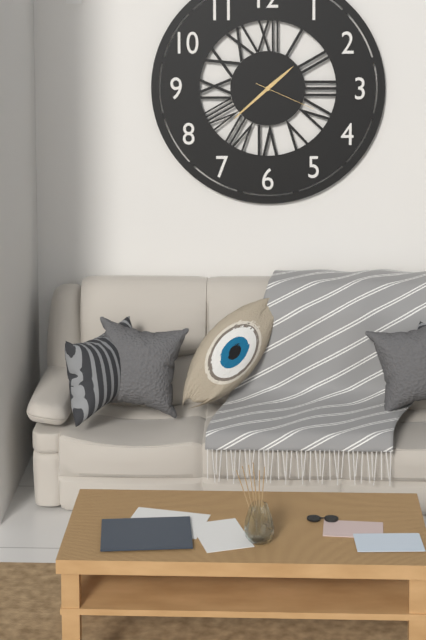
h=1 m=38 s=19
